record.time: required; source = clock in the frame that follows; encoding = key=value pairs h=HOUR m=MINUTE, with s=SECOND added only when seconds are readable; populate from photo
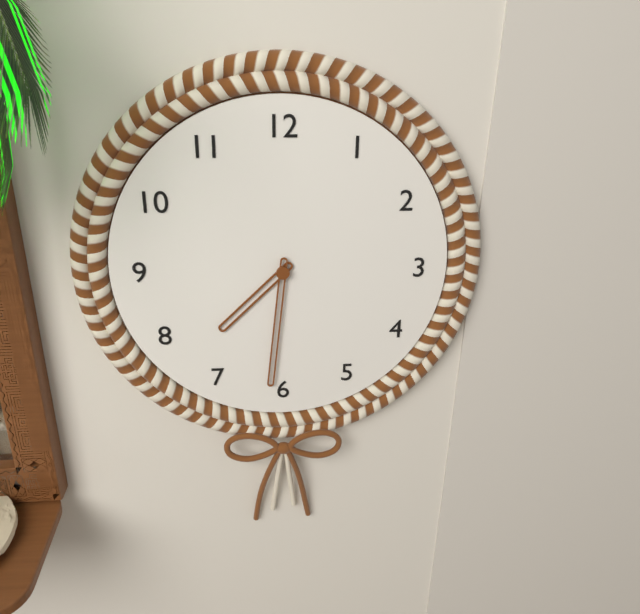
h=7 m=31
